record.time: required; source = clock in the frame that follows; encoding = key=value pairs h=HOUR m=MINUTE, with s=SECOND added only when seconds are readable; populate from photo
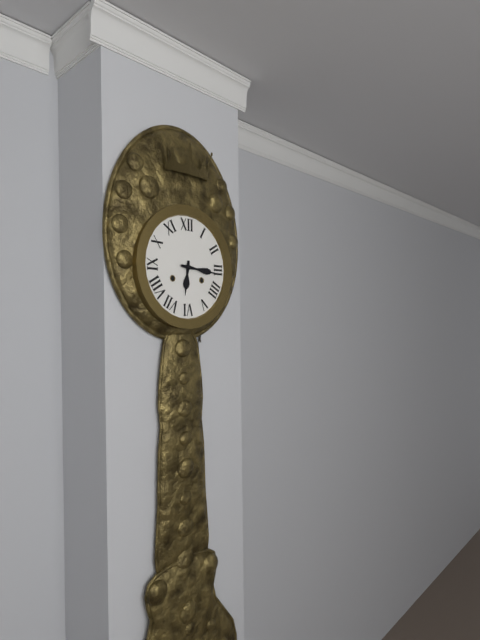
h=6 m=16
